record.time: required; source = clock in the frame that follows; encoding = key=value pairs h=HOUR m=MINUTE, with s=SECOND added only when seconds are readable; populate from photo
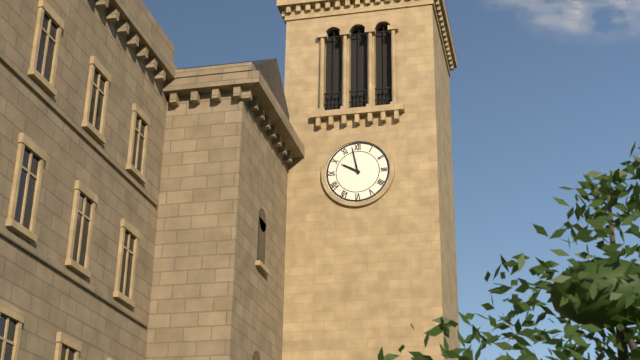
h=9 m=58
